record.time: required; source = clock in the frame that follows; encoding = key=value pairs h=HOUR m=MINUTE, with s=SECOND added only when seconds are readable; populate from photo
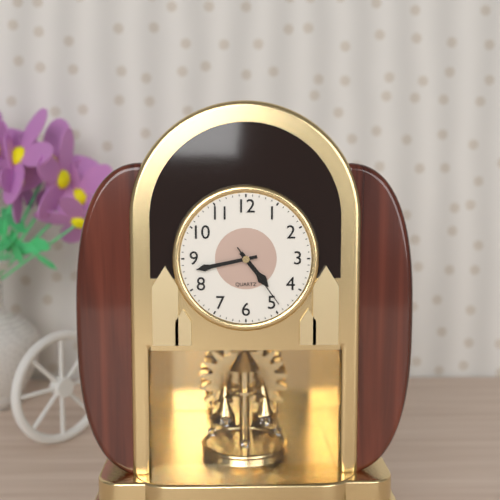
h=4 m=43 s=24
